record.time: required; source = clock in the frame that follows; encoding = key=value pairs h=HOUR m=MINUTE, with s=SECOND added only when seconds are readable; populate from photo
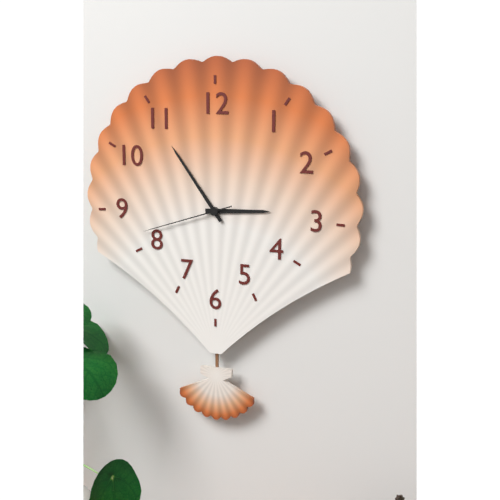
h=2 m=54 s=42
